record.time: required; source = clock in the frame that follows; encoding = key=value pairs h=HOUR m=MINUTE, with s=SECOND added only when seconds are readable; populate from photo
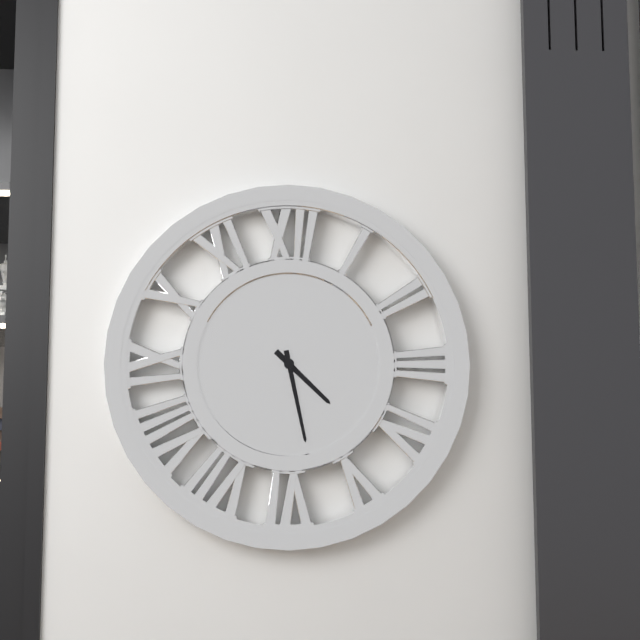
h=4 m=28
